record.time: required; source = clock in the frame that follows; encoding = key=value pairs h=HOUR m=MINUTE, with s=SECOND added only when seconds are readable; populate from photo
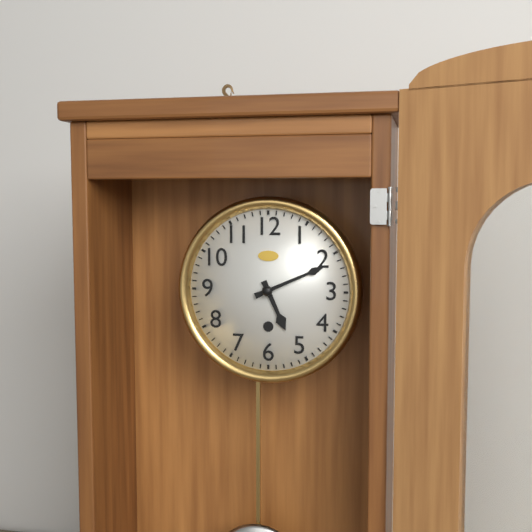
h=5 m=11
